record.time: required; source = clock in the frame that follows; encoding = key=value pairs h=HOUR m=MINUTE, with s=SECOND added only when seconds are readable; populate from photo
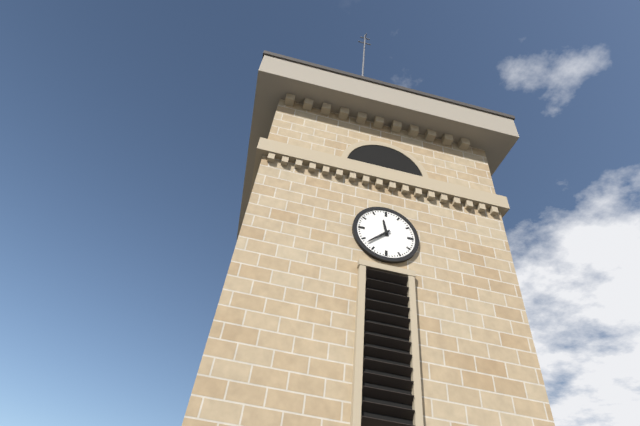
h=11 m=38
